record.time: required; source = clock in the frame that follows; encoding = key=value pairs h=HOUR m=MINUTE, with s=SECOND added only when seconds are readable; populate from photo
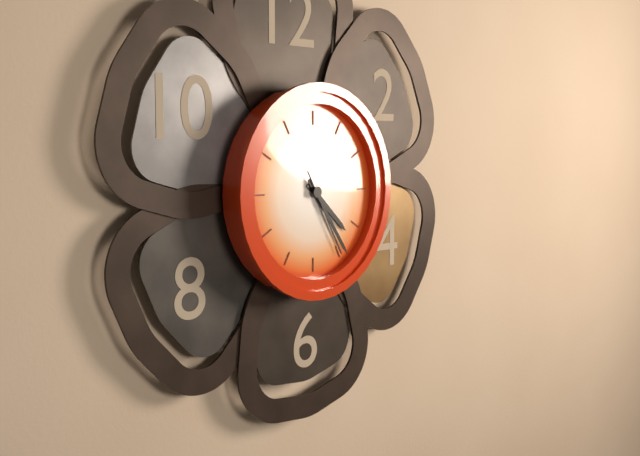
h=4 m=24 s=25
